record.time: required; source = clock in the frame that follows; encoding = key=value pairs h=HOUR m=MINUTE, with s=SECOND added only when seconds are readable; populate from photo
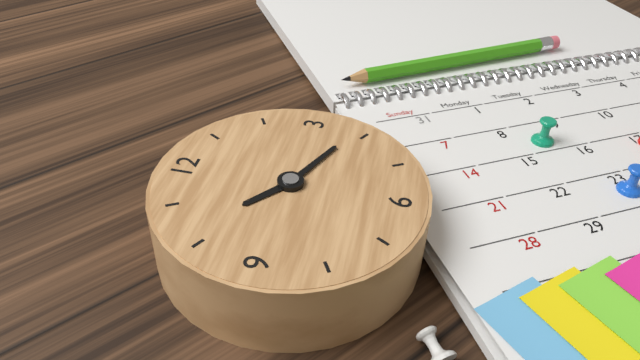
h=10 m=19
